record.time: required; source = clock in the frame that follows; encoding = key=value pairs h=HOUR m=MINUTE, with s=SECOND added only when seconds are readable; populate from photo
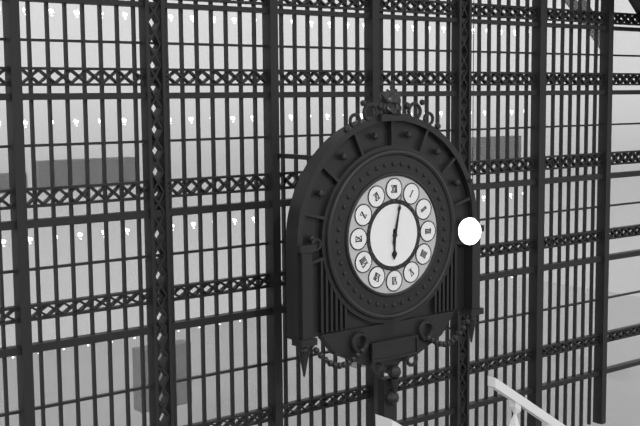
h=6 m=2
